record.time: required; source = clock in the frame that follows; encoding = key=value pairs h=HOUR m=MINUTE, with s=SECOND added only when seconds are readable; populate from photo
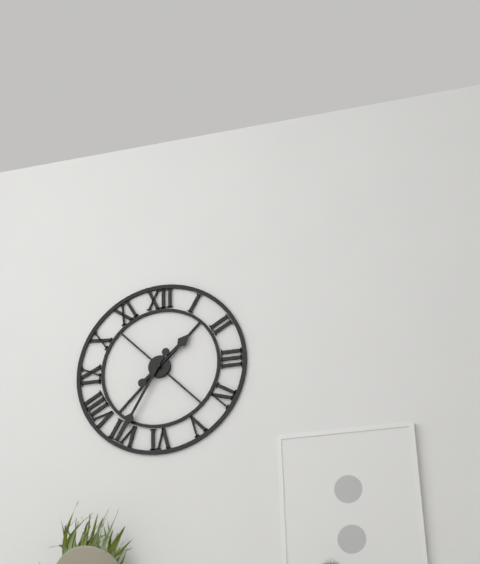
h=1 m=35
